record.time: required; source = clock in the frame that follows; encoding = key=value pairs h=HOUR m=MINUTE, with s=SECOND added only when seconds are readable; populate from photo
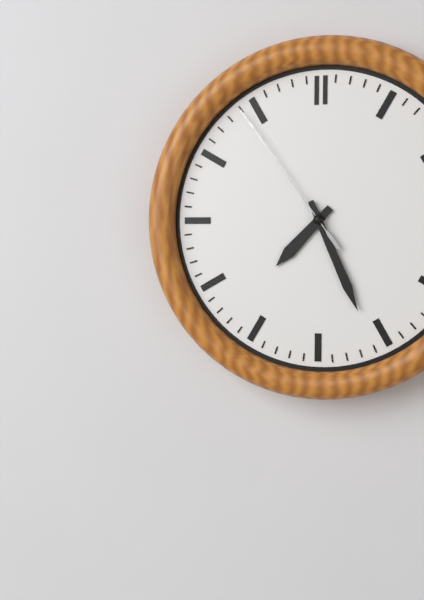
h=7 m=26 s=54
